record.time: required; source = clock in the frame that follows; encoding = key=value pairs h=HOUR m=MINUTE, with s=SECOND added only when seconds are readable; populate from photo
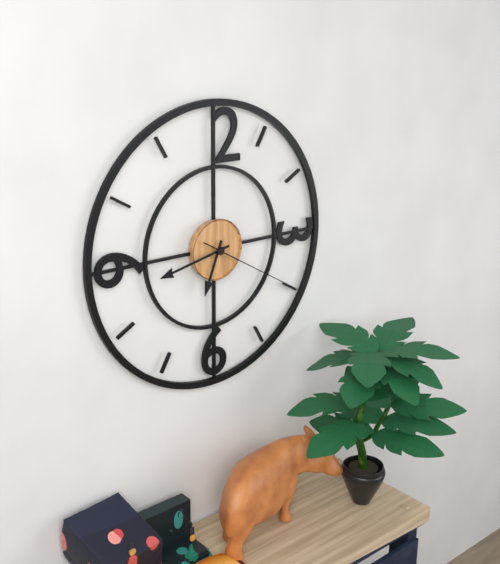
h=6 m=43 s=20
